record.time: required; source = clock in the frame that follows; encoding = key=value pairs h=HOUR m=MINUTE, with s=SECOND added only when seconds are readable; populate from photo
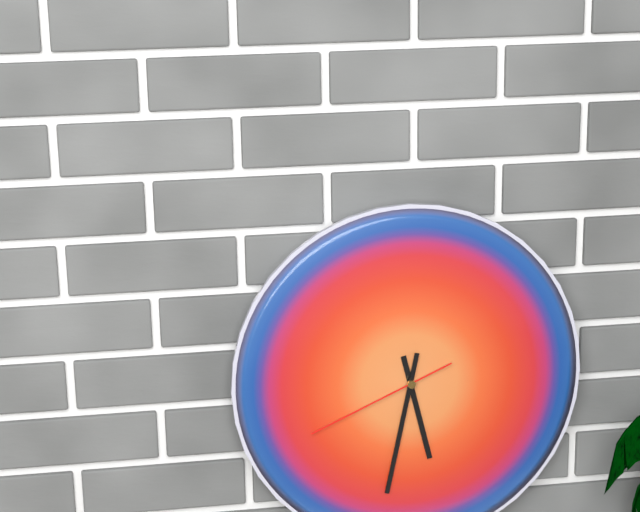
h=5 m=32 s=41
